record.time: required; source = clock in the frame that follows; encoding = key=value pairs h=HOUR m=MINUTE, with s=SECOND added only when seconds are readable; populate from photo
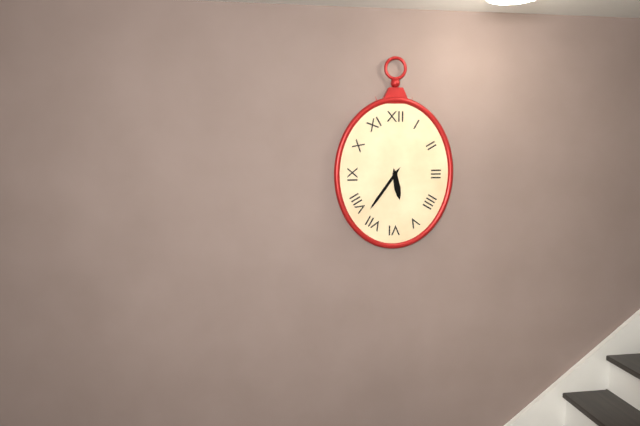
h=5 m=36
